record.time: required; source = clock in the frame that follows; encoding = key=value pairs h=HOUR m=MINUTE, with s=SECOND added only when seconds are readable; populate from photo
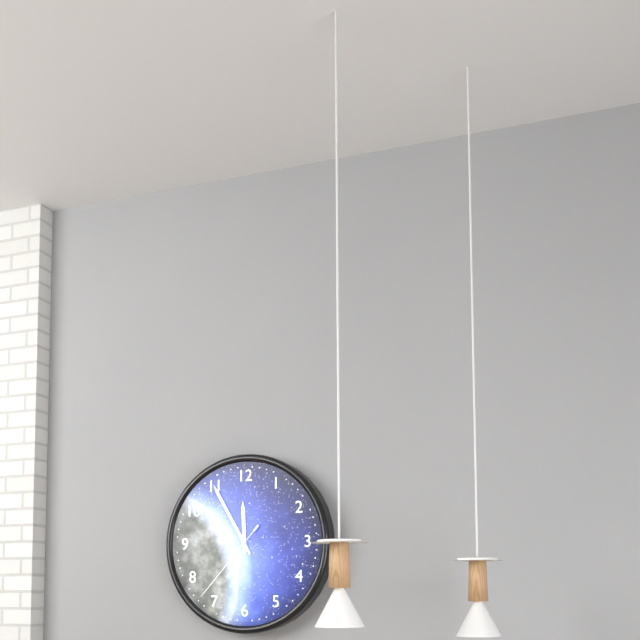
h=11 m=55 s=37
